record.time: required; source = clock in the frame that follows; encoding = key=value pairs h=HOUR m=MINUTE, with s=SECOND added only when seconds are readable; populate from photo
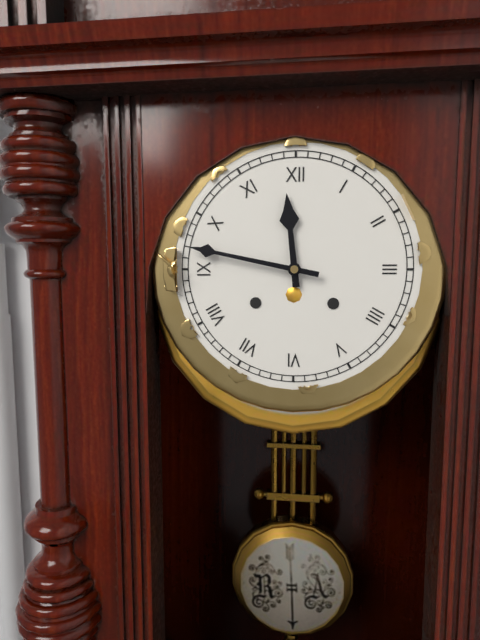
h=11 m=47
